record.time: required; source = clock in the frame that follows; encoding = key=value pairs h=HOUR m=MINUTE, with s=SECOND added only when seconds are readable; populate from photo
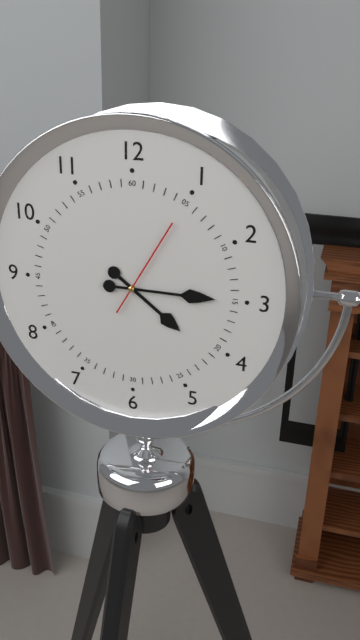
h=4 m=15 s=5
